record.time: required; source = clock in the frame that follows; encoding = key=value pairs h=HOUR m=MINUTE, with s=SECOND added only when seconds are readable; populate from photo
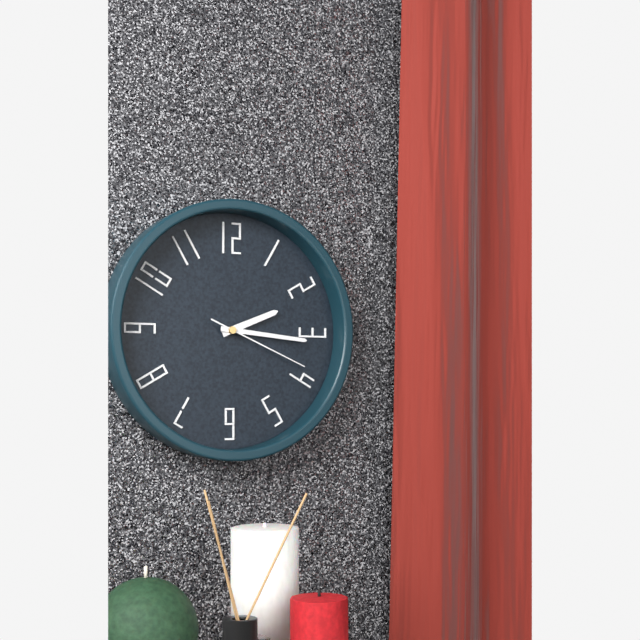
h=2 m=16 s=19
